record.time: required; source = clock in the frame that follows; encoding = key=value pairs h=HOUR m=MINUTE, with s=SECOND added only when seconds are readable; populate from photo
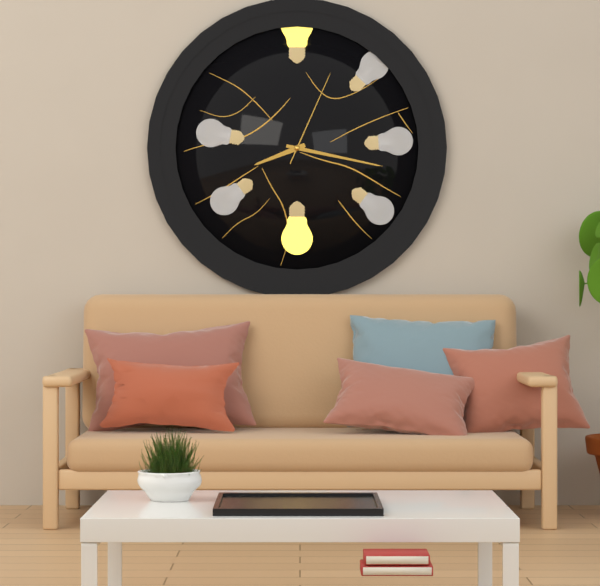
h=8 m=17 s=4
